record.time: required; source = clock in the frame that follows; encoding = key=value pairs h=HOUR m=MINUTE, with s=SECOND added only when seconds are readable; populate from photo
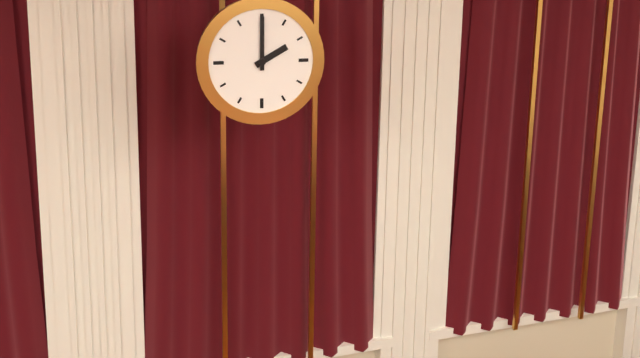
h=2 m=0
